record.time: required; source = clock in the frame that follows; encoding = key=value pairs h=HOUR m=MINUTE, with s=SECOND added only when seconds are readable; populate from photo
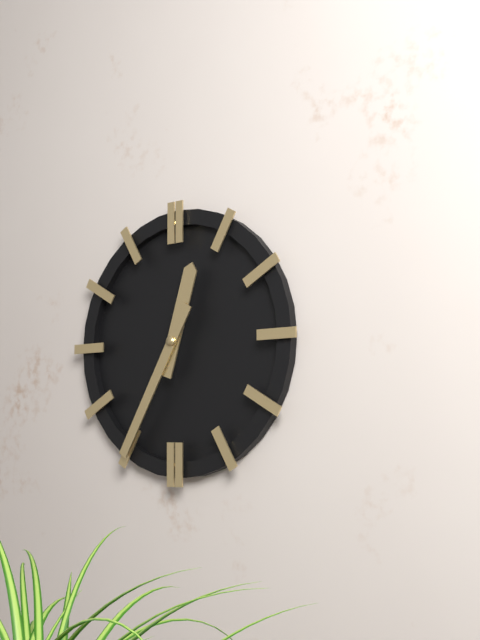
h=12 m=35
